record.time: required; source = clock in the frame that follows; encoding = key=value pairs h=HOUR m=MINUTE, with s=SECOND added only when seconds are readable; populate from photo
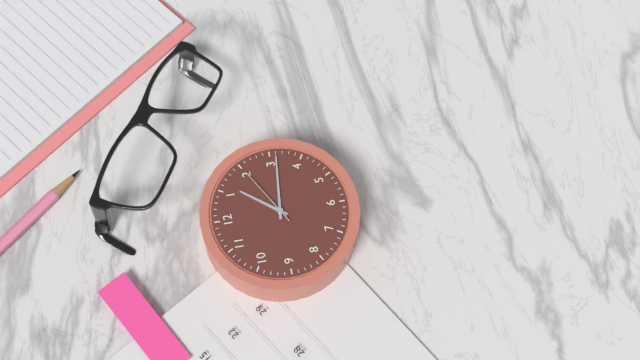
h=1 m=16 s=10
